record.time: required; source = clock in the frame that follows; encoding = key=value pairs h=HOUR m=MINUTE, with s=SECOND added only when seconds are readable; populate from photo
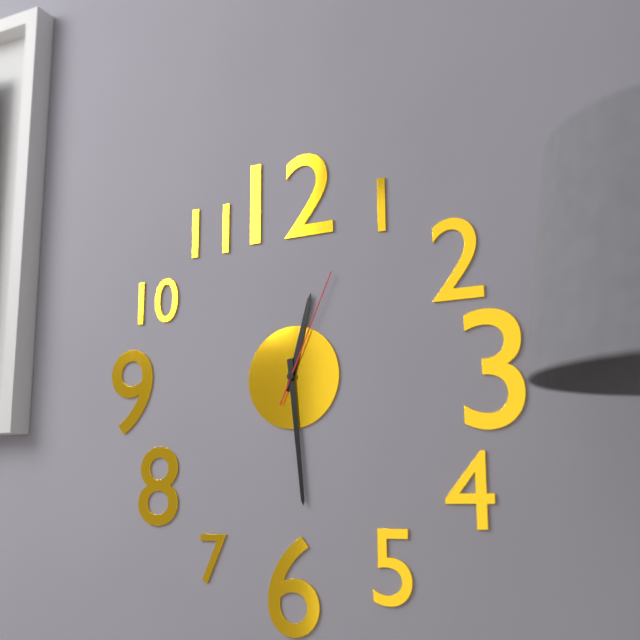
h=12 m=29 s=4
